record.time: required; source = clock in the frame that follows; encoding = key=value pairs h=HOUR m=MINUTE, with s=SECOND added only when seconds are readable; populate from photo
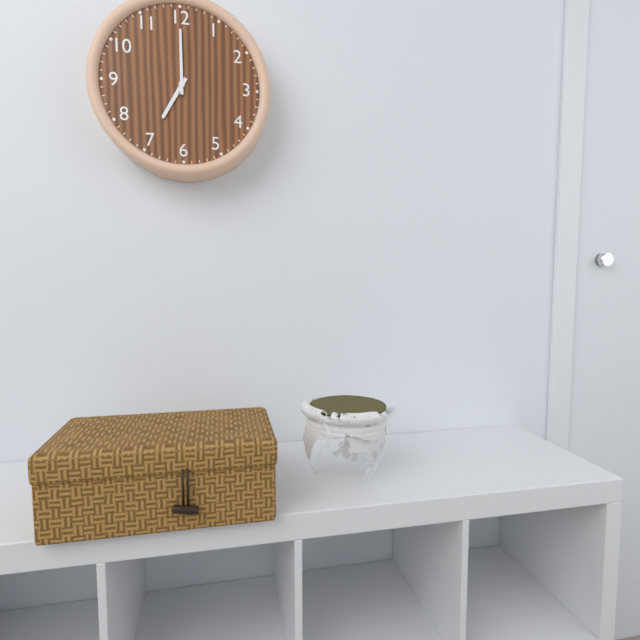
h=7 m=0
